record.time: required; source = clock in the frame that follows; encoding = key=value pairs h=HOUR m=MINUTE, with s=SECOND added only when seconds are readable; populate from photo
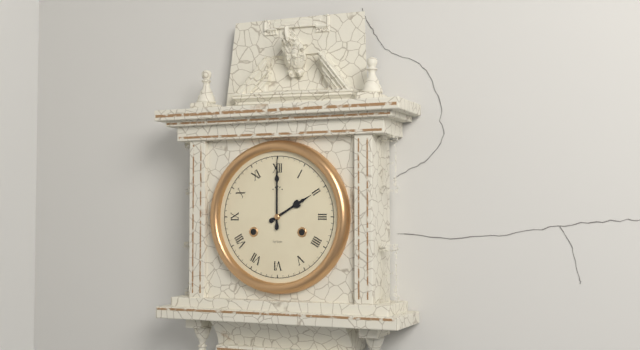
h=2 m=0
